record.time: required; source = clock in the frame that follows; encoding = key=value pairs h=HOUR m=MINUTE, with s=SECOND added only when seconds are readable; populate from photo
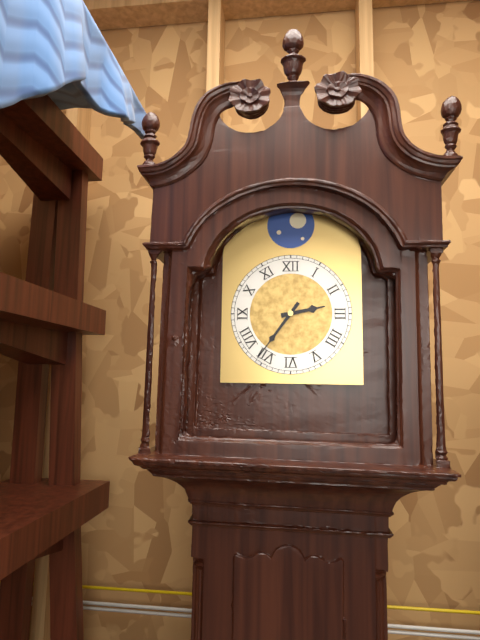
h=2 m=36
